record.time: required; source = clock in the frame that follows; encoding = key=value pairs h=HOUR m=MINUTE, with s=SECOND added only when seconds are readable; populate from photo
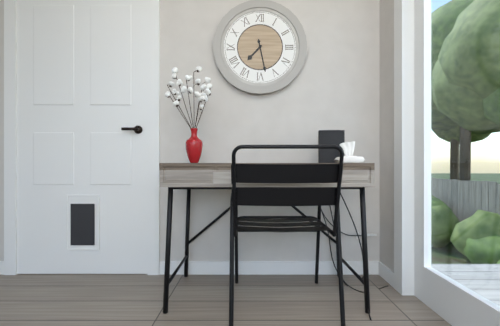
h=7 m=28
